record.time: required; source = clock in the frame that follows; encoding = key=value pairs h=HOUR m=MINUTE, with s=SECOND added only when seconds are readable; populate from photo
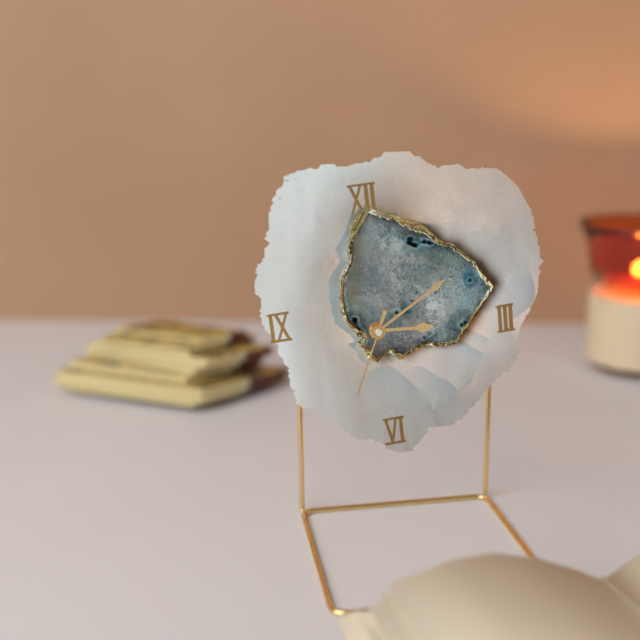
h=3 m=10 s=34
